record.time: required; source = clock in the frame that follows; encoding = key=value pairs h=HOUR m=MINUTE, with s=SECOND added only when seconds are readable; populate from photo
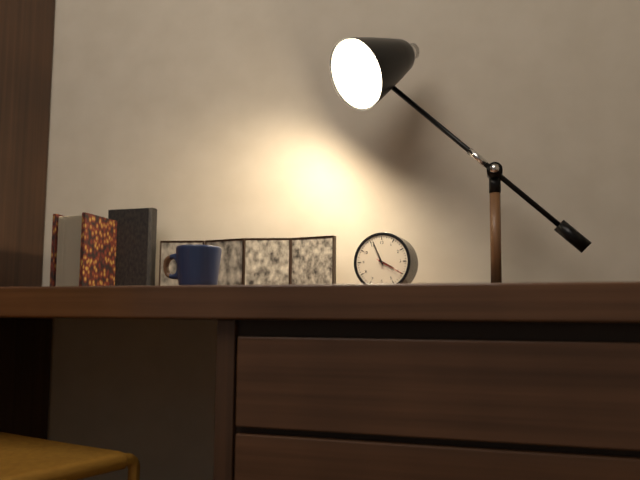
h=3 m=56
